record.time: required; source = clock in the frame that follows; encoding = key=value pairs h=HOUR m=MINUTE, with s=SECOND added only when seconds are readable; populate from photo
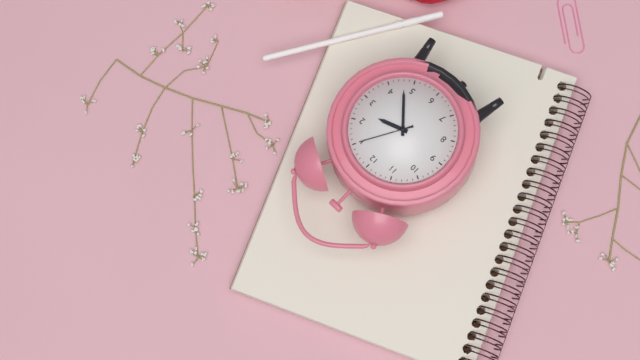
h=2 m=23 s=5
